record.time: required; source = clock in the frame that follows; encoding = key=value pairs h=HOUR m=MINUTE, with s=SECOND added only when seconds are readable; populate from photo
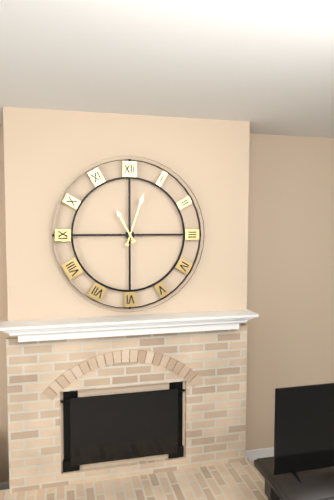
h=11 m=3
